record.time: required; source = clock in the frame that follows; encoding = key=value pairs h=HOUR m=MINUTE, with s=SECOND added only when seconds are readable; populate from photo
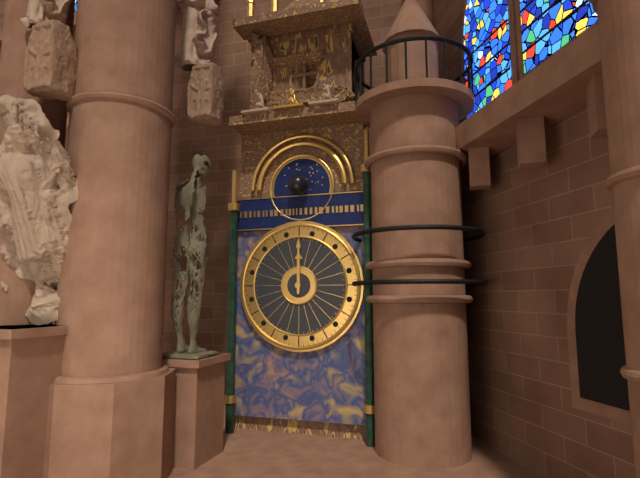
h=12 m=0
